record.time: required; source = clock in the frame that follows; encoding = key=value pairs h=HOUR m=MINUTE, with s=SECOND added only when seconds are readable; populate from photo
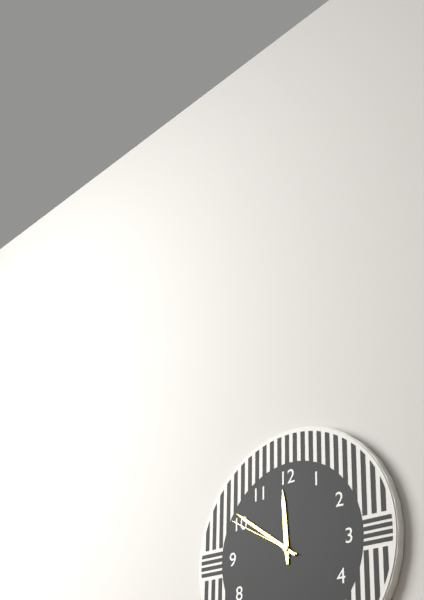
h=11 m=51 s=50
